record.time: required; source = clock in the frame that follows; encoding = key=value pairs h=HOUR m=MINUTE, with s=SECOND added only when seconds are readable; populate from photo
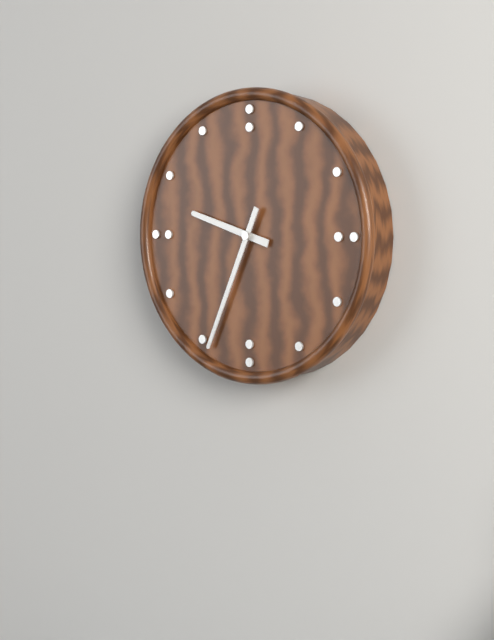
h=9 m=34
